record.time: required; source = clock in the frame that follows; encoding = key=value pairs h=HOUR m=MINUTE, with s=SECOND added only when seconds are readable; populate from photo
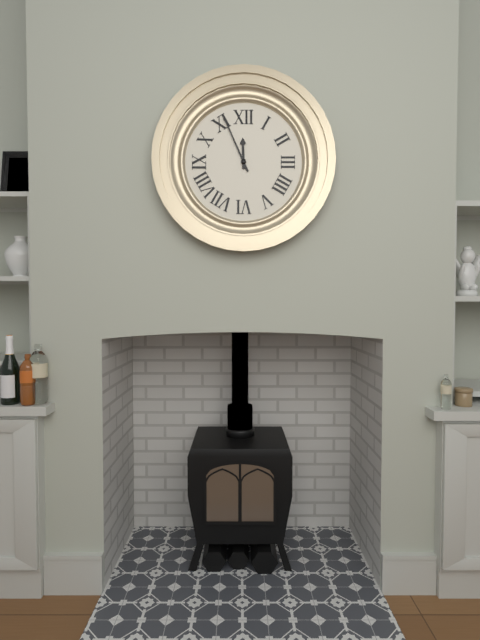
h=11 m=56
